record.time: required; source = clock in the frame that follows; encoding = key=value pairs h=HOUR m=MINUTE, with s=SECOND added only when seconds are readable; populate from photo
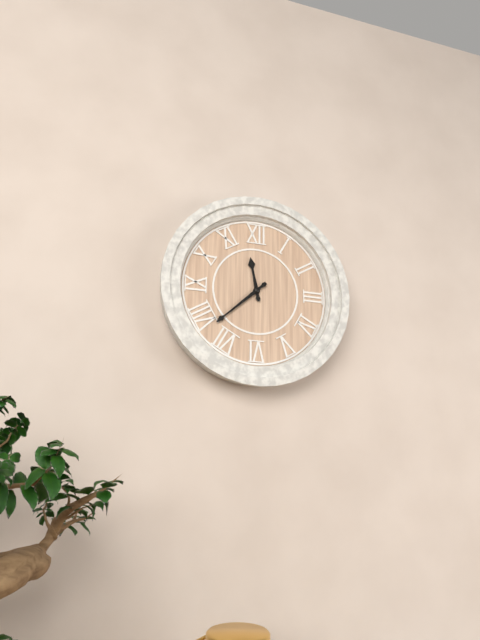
h=11 m=38
